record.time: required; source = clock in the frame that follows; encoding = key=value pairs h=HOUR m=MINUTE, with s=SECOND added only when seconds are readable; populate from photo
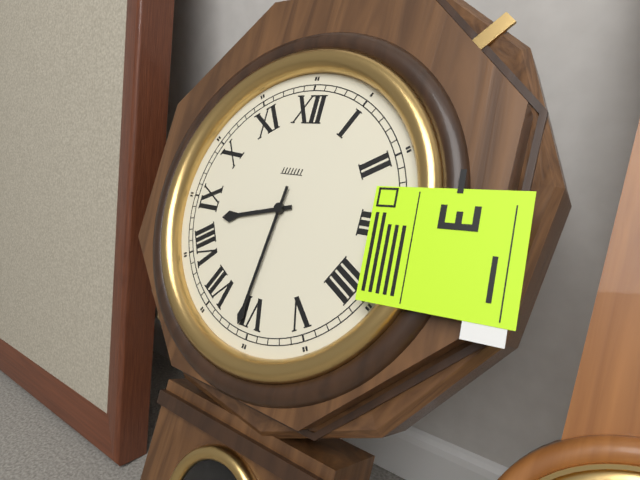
h=8 m=31
